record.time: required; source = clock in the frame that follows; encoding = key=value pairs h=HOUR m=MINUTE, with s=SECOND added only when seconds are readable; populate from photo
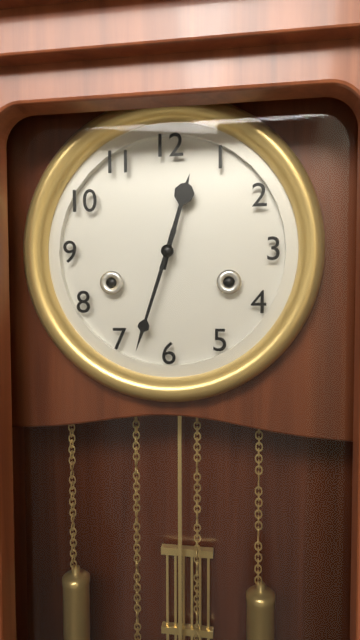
h=12 m=33
